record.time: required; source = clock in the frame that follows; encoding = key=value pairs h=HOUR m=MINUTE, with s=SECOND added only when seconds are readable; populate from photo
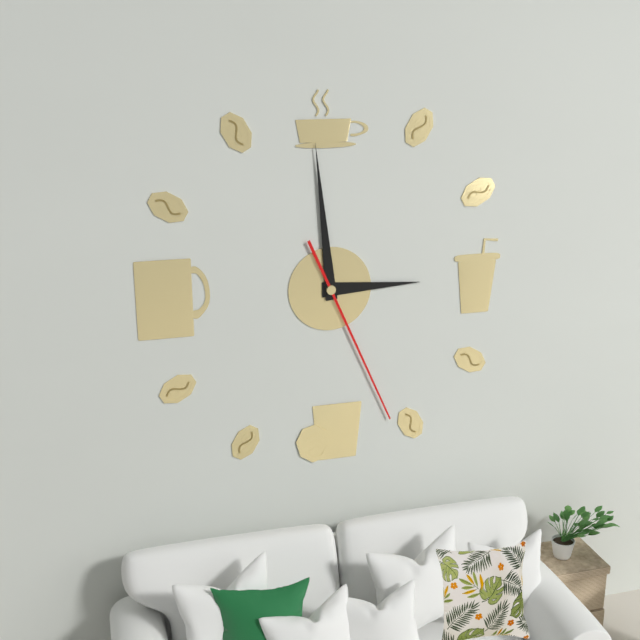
h=2 m=59 s=26
